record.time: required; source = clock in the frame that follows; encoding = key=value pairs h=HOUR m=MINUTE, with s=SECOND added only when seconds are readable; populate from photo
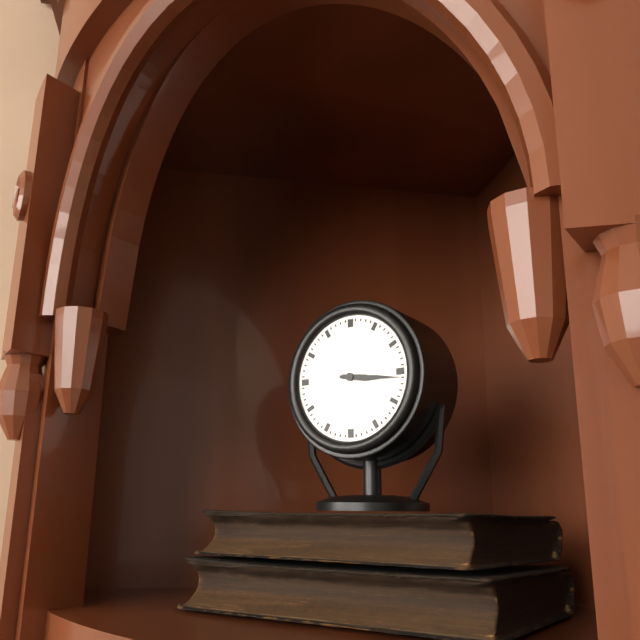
h=3 m=16
